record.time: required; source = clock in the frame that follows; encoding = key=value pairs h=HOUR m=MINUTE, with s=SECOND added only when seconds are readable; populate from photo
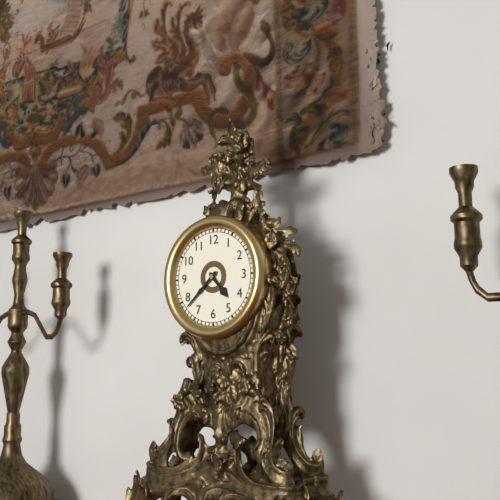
h=4 m=38
